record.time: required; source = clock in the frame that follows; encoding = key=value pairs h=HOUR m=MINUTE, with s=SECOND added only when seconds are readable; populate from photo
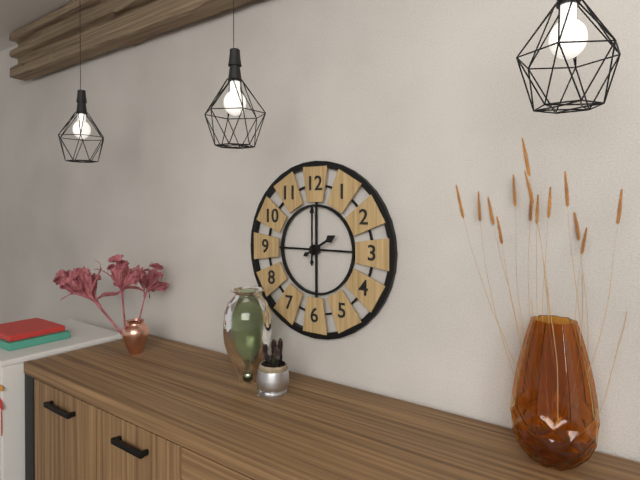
h=2 m=0
